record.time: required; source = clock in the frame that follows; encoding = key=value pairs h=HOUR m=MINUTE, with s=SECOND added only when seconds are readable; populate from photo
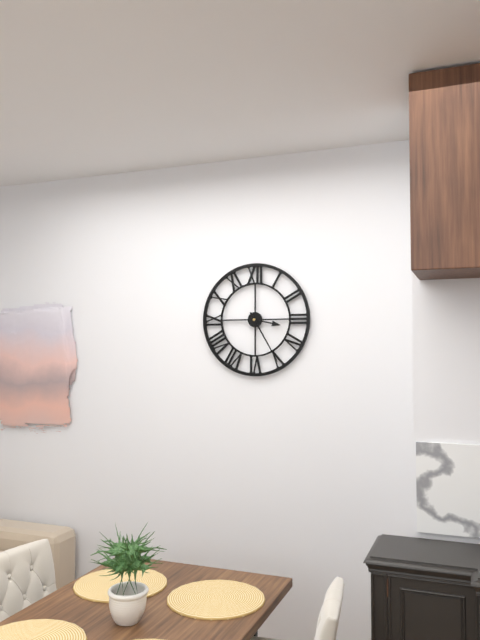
h=3 m=25
